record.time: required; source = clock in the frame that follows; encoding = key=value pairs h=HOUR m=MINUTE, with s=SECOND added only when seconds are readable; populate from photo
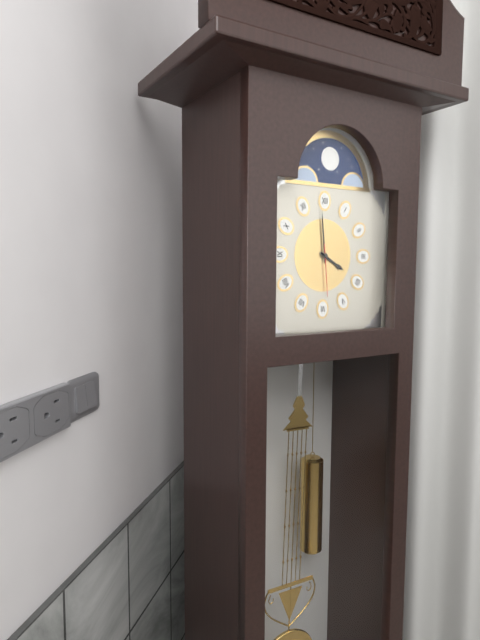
h=3 m=59 s=29
